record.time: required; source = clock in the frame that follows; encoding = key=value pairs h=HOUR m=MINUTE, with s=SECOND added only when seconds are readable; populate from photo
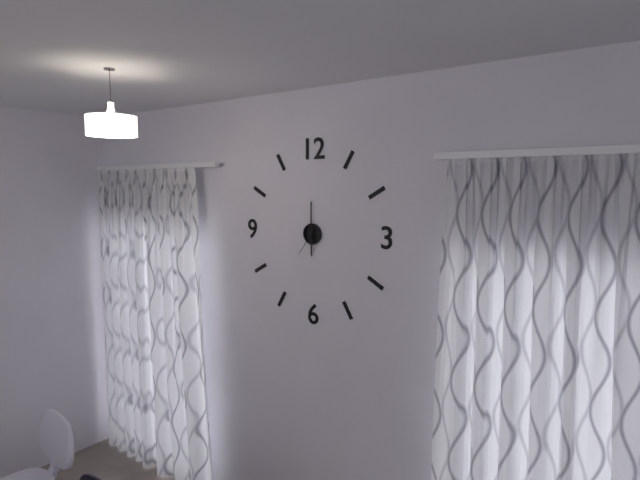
h=6 m=0
